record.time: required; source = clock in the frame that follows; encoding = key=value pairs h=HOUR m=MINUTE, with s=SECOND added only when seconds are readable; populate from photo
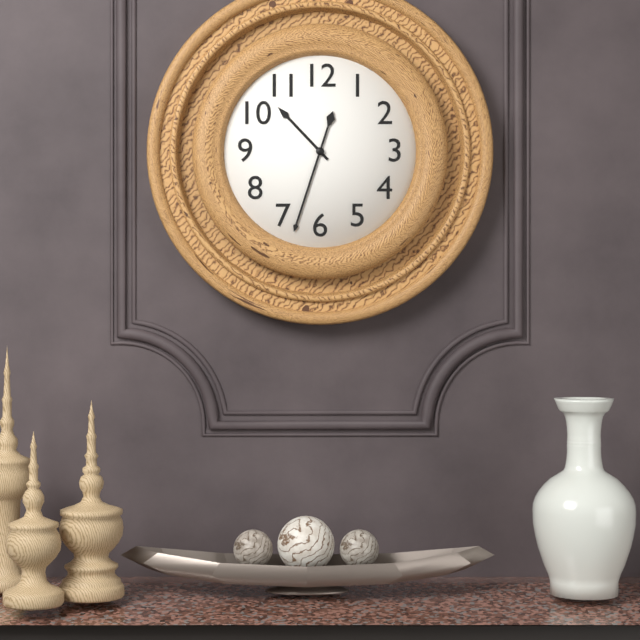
h=10 m=33
